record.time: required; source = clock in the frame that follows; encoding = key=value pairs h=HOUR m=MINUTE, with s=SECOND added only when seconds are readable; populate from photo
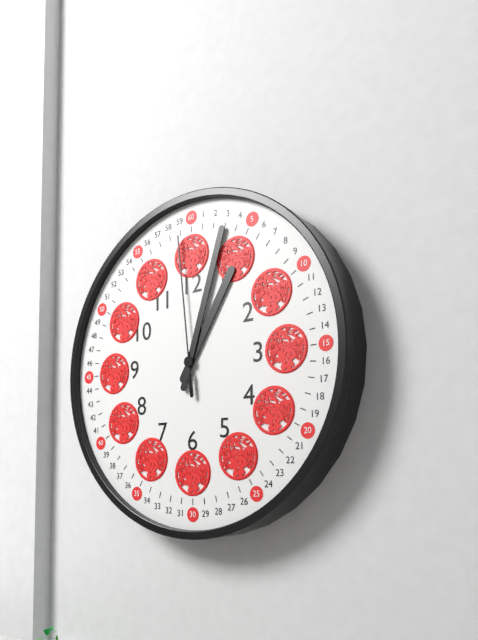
h=1 m=3 s=59
